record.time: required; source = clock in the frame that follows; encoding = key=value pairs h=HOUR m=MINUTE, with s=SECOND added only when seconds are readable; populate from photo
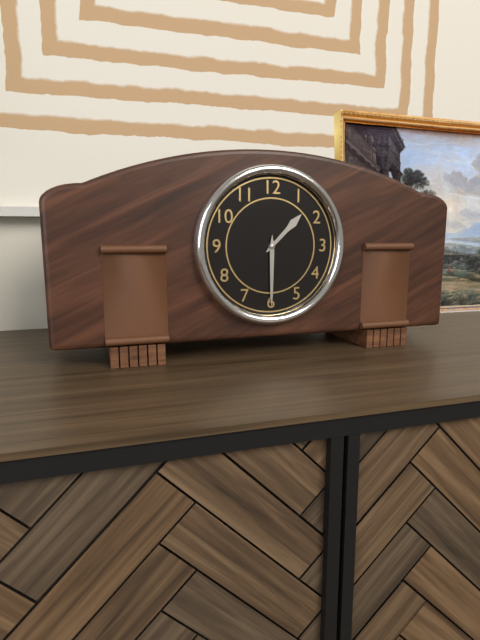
h=1 m=30
